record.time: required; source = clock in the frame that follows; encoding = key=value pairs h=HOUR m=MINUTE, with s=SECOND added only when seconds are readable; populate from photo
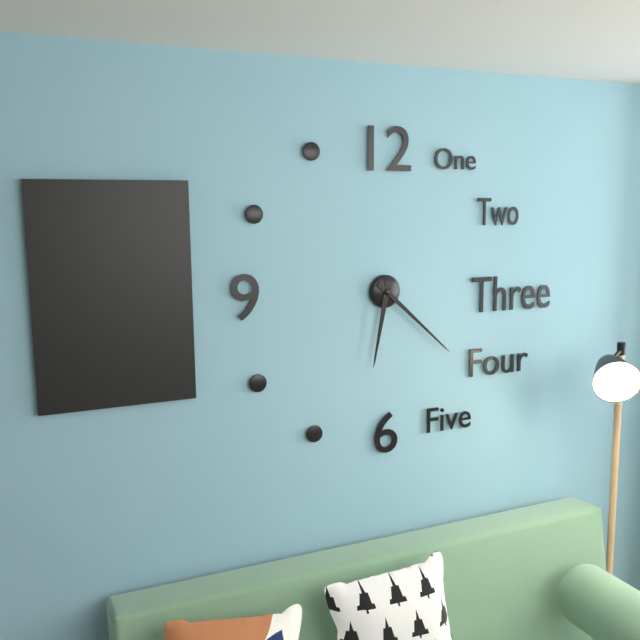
h=6 m=22
